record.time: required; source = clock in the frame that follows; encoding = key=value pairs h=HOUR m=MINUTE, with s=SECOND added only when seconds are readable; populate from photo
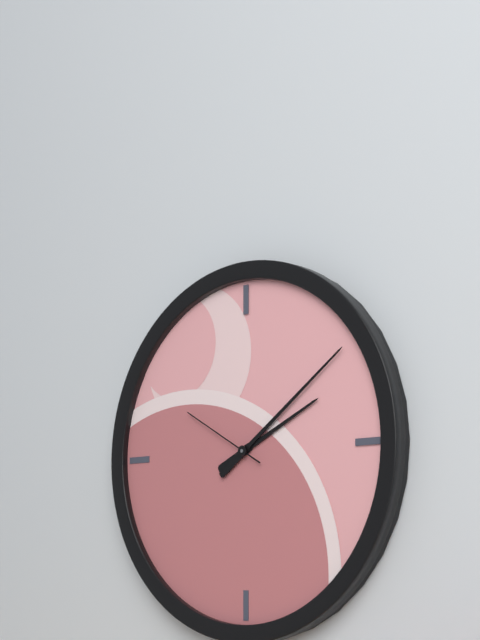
h=2 m=9 s=50
